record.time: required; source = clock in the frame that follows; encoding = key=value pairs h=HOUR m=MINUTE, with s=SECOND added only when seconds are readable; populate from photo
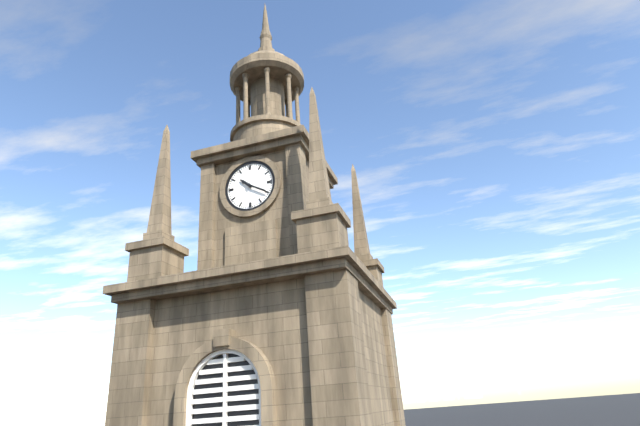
h=10 m=20
